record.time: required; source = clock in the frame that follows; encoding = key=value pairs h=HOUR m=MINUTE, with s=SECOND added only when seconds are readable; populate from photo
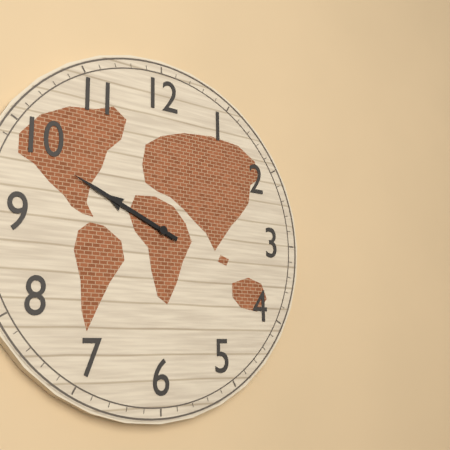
h=9 m=49
